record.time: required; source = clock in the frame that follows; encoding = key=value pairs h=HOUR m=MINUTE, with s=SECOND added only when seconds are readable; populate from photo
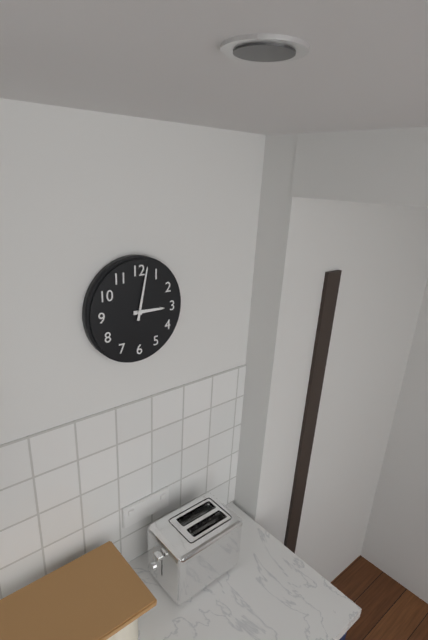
h=3 m=2
